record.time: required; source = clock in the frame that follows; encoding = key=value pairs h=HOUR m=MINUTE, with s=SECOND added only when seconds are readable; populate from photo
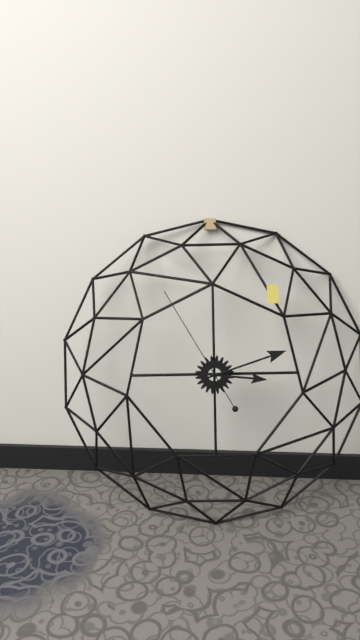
h=3 m=12 s=55
